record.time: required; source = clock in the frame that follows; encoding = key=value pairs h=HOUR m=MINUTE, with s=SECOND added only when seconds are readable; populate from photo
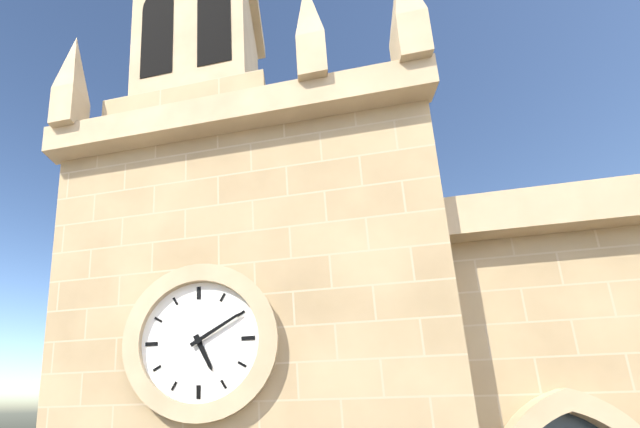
h=5 m=10
